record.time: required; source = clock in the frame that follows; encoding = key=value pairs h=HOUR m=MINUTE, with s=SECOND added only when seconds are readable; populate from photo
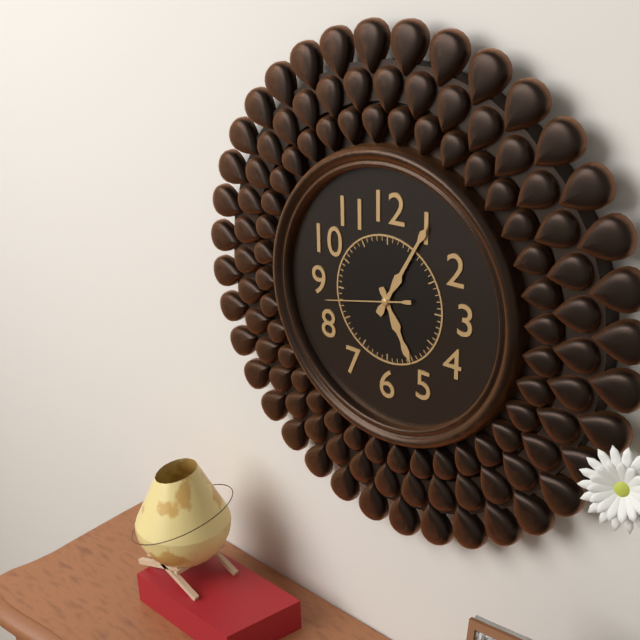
h=5 m=5 s=43
